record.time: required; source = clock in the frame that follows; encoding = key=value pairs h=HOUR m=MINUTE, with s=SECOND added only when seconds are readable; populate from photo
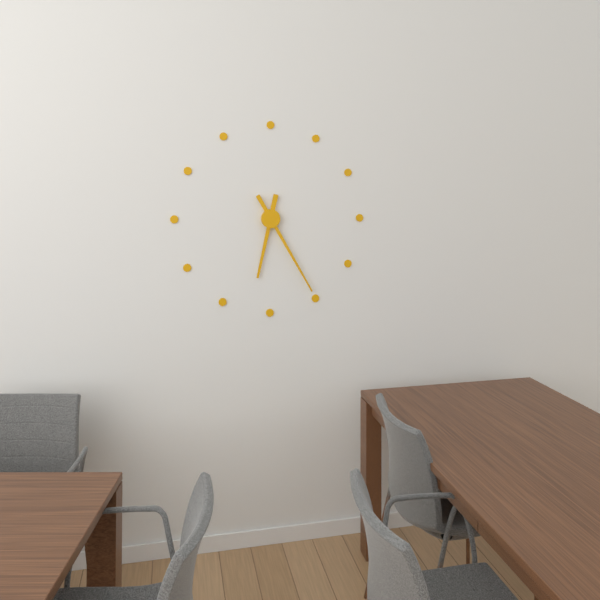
h=6 m=25
